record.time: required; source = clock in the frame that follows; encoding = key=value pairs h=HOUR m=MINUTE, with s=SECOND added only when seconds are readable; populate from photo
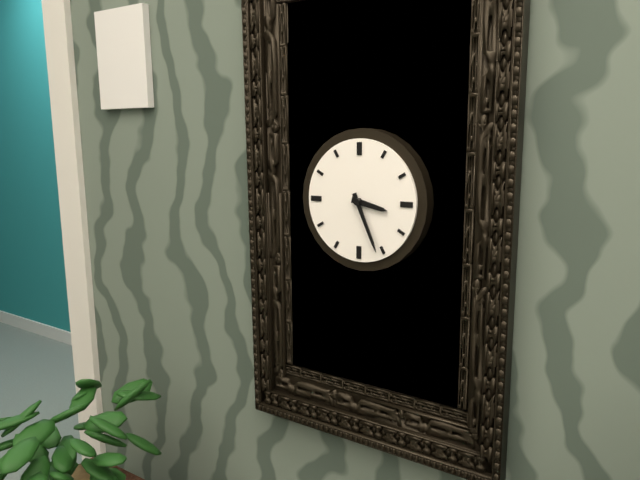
h=3 m=26
